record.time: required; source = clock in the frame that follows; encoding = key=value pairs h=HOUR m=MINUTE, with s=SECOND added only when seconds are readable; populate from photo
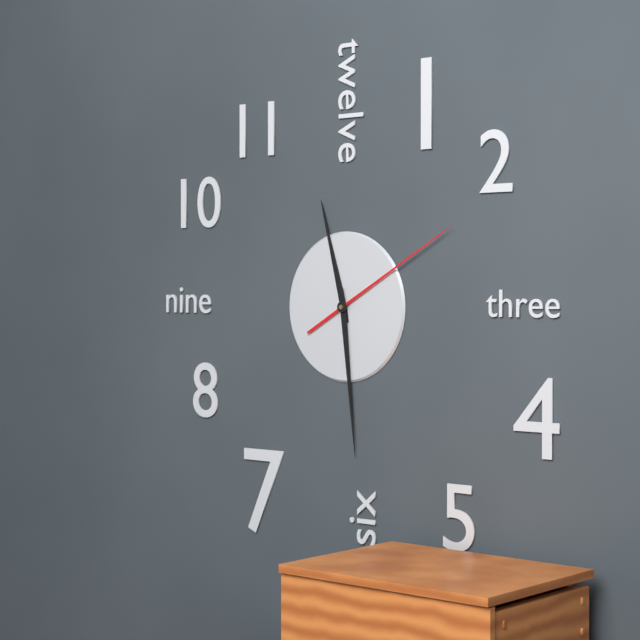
h=11 m=29 s=10
